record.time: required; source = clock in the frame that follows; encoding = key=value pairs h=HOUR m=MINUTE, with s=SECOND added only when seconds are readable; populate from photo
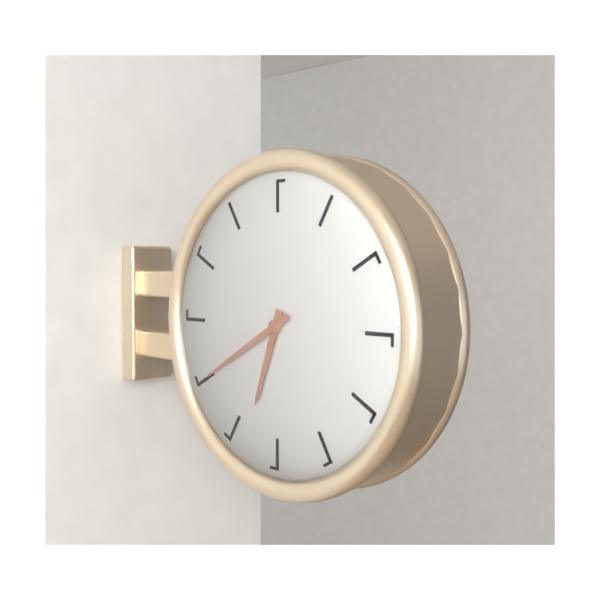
h=6 m=40
